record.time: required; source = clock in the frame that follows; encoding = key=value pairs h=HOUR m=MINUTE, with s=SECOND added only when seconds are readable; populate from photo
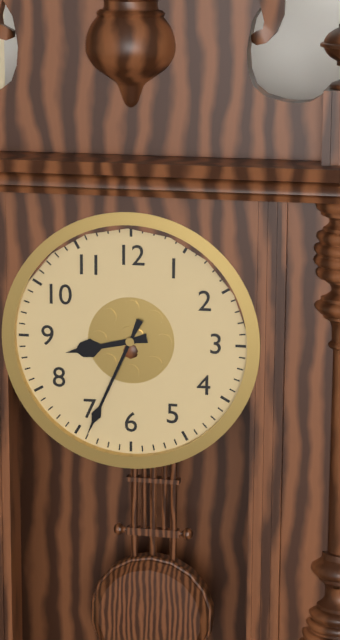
h=8 m=34
